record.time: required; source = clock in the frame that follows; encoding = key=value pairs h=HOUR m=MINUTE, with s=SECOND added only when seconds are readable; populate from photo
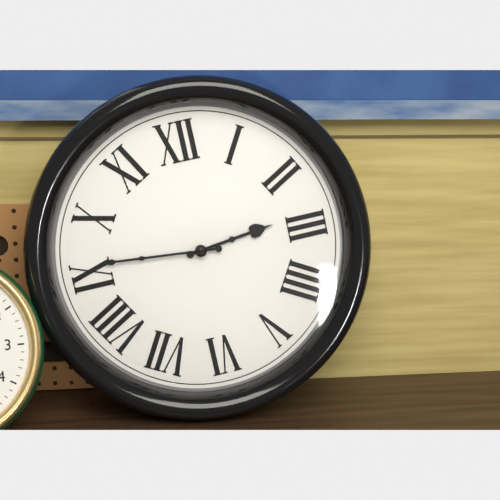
h=2 m=46
